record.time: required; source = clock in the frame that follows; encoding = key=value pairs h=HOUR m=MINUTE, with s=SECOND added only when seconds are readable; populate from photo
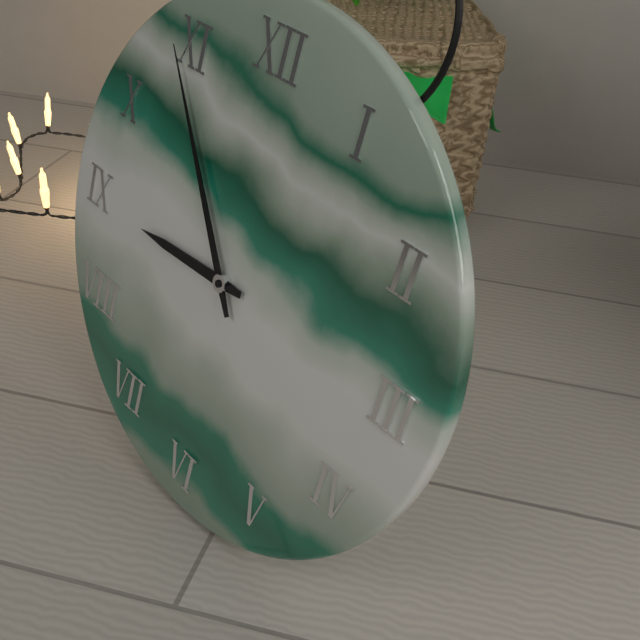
h=8 m=54
